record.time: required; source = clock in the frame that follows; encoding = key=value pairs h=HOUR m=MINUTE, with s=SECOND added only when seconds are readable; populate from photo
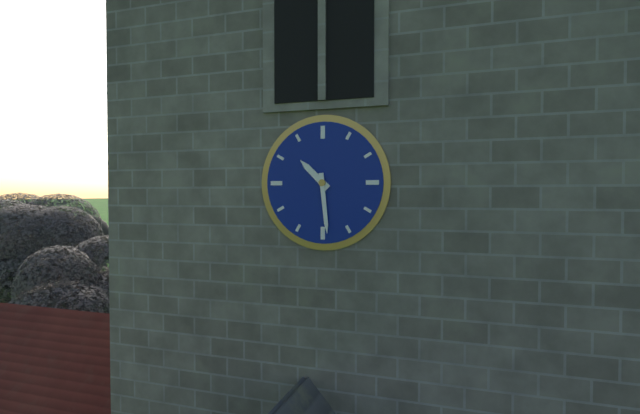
h=10 m=29
